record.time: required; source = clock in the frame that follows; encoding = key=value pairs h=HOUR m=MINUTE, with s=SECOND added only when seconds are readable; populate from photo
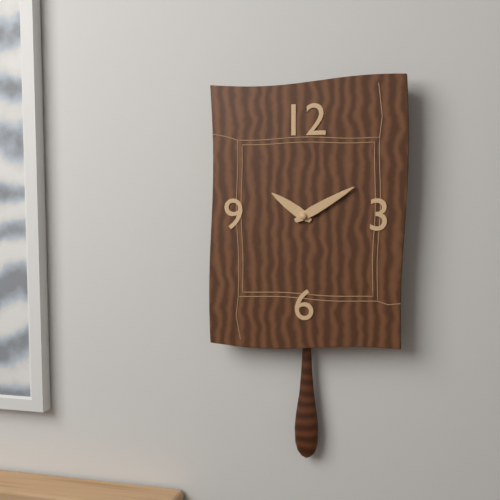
h=10 m=10
